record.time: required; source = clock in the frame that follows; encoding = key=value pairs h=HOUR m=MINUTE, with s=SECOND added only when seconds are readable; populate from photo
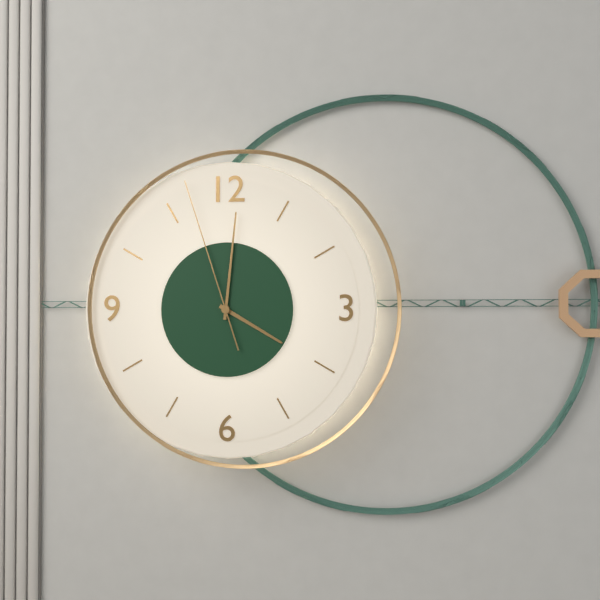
h=4 m=1 s=57
